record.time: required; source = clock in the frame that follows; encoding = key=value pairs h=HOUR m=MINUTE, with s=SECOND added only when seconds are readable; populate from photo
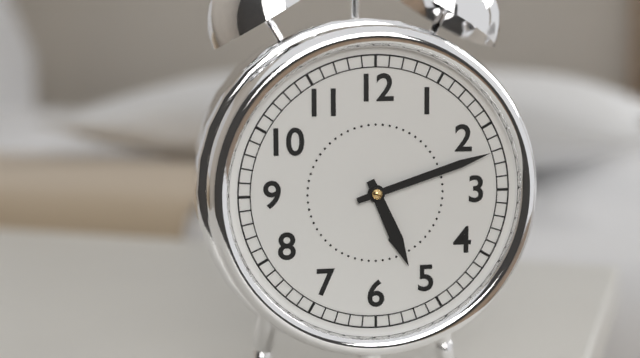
h=5 m=12
